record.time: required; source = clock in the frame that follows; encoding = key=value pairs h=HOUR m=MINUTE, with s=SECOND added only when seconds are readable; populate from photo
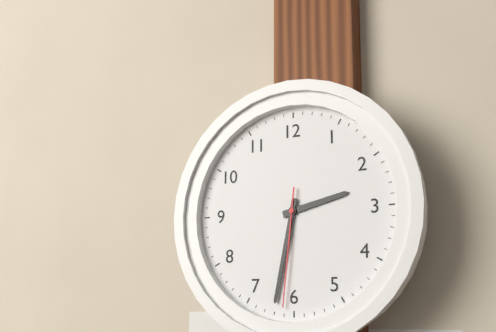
h=2 m=32 s=31
